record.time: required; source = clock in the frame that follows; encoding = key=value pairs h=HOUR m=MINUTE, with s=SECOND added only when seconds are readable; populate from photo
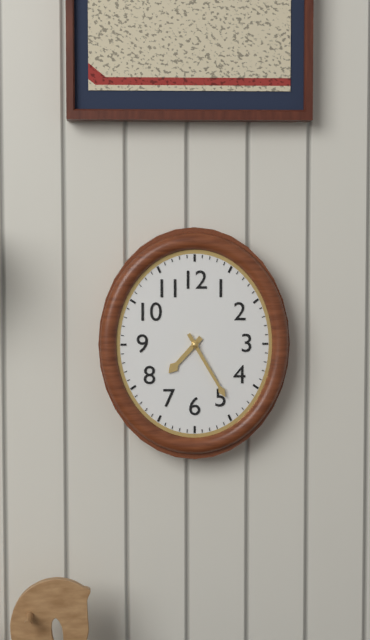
h=7 m=25
